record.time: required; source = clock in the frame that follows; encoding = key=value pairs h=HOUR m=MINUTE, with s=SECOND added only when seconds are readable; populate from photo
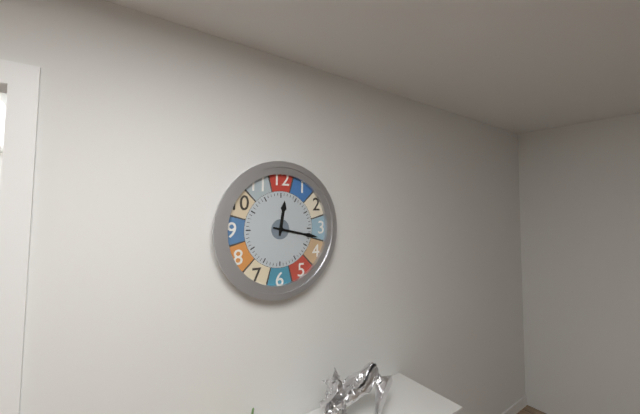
h=12 m=17
